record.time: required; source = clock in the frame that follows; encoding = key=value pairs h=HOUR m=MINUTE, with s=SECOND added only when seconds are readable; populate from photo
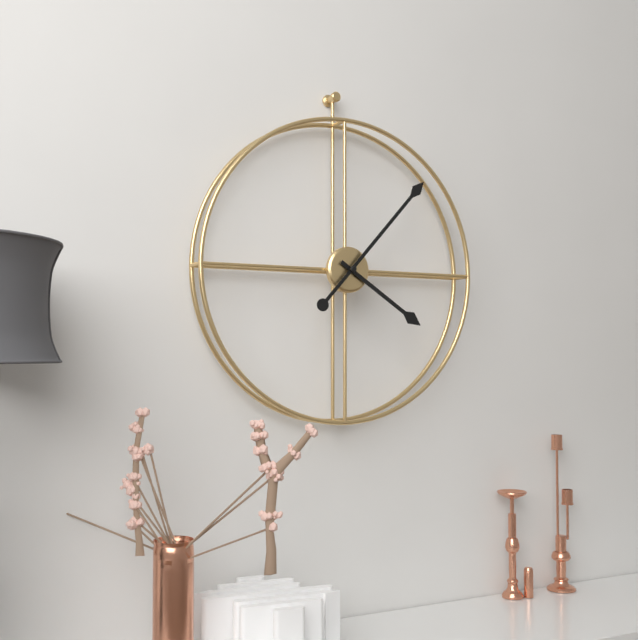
h=4 m=7
